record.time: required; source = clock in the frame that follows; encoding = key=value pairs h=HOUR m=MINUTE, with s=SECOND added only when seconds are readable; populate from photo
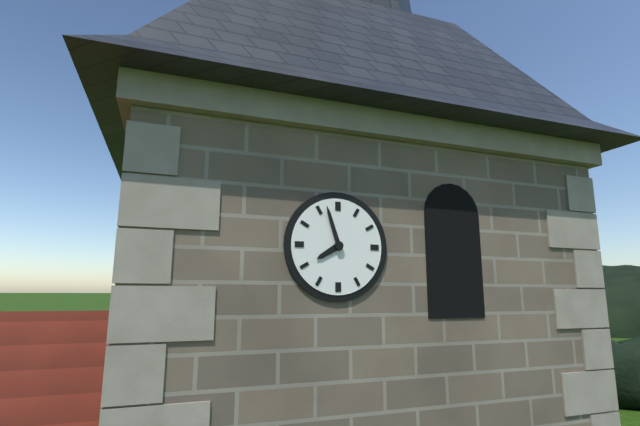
h=7 m=57
